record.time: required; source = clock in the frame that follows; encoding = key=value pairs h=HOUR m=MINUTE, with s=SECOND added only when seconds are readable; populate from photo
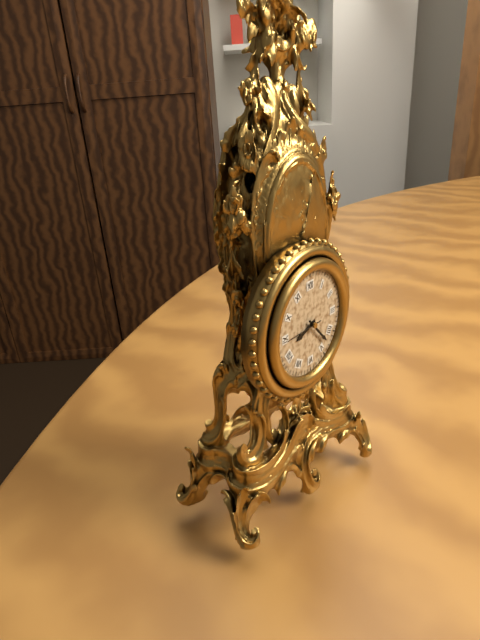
h=8 m=23
